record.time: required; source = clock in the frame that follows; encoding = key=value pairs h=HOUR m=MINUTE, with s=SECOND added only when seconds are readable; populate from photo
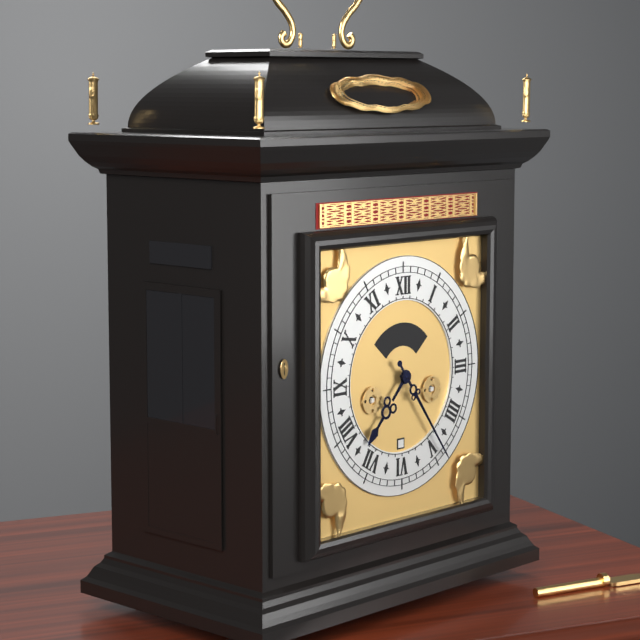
h=7 m=24
